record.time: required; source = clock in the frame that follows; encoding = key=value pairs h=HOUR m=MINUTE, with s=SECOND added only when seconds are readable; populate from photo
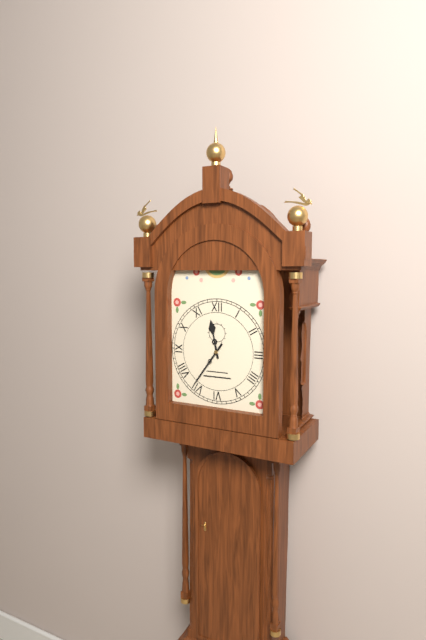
h=11 m=36
